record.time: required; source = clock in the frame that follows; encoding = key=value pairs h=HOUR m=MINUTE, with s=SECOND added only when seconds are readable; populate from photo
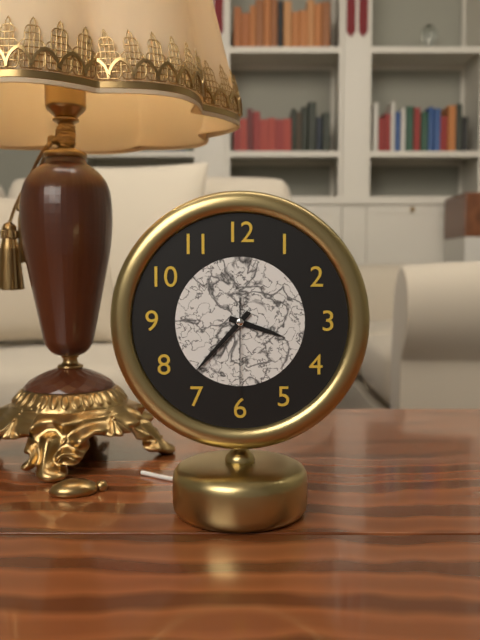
h=3 m=37 s=30
